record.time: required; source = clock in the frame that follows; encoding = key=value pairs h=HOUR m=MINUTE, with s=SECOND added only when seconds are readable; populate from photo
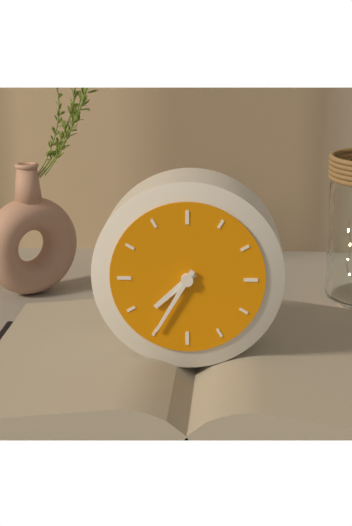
h=7 m=35
